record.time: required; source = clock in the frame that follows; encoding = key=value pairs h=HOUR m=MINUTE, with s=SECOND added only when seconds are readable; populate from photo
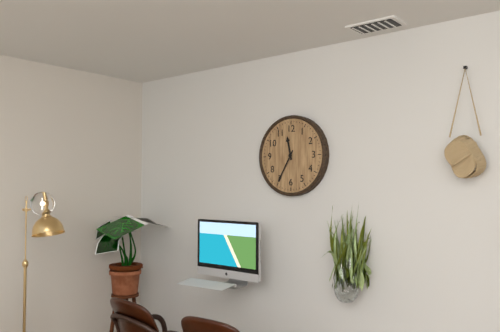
h=11 m=35
